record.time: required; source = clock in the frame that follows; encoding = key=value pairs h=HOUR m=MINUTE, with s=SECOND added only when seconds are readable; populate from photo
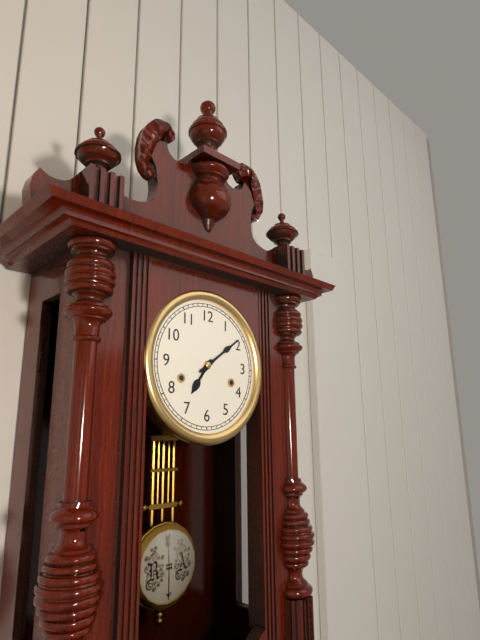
h=7 m=9
